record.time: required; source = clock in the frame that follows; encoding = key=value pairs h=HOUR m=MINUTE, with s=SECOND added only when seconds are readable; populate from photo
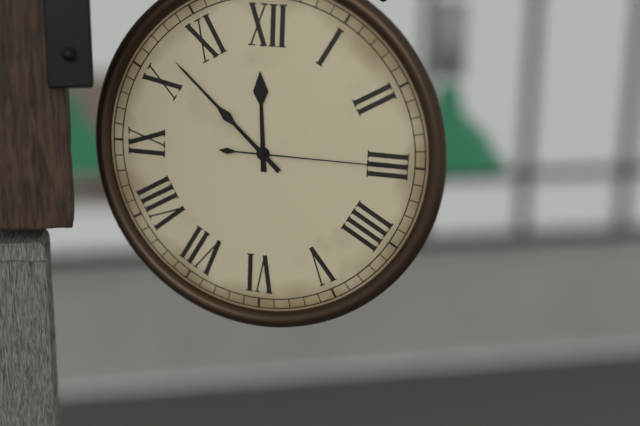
h=11 m=52 s=15
